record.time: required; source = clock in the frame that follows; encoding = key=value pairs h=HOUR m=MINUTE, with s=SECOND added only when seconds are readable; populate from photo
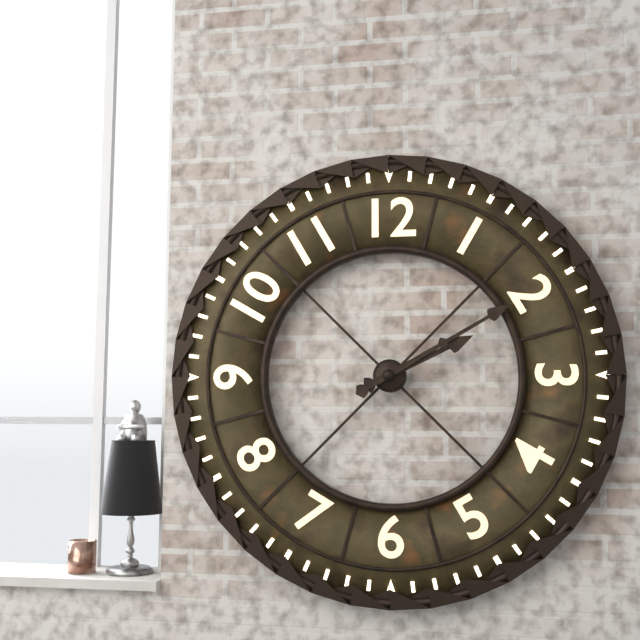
h=2 m=10
